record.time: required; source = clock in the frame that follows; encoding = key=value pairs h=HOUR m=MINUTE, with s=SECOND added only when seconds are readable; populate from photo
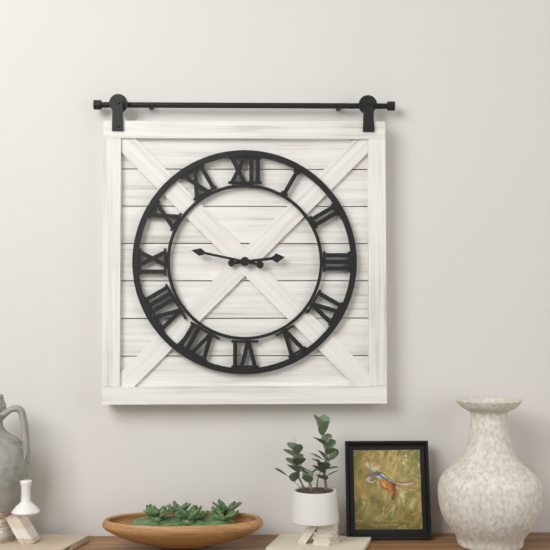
h=2 m=47
